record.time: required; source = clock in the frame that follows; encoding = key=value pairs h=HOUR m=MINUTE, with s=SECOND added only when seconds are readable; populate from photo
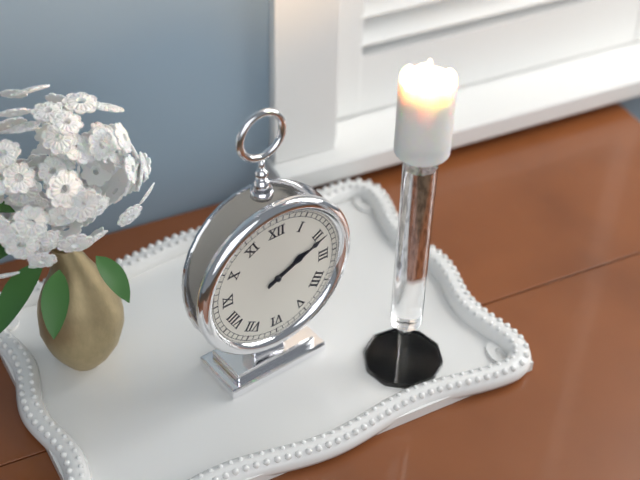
h=2 m=11
